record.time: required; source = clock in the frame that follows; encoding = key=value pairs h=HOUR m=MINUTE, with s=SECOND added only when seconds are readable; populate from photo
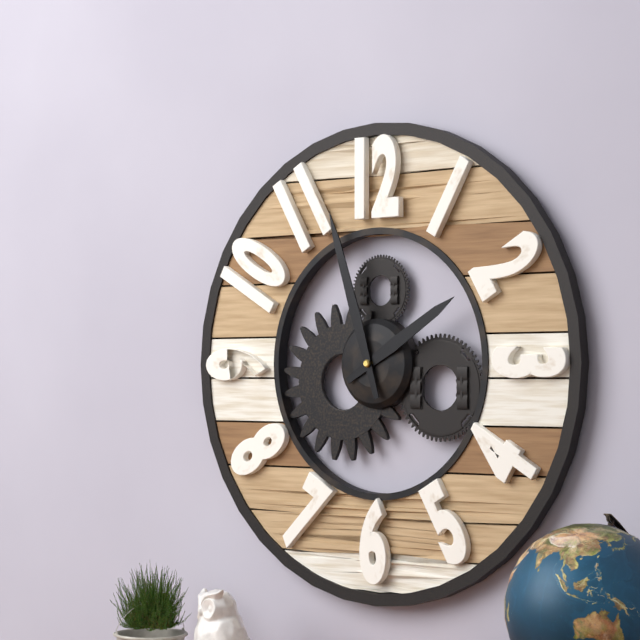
h=1 m=57
